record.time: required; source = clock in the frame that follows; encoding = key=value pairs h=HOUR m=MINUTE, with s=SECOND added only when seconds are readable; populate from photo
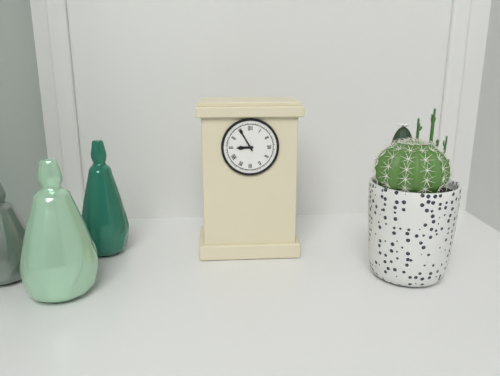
h=8 m=55
